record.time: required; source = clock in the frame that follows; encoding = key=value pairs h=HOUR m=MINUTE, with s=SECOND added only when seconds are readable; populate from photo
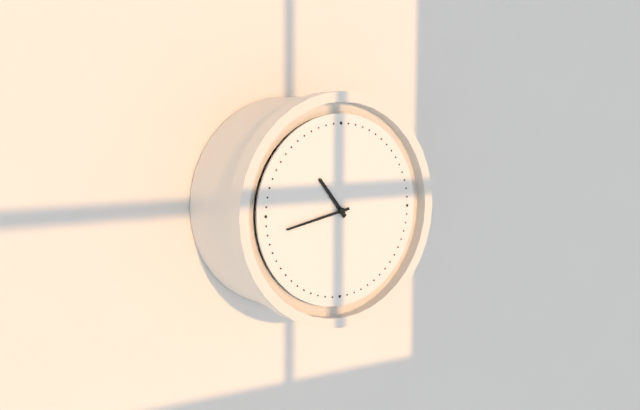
h=10 m=43
